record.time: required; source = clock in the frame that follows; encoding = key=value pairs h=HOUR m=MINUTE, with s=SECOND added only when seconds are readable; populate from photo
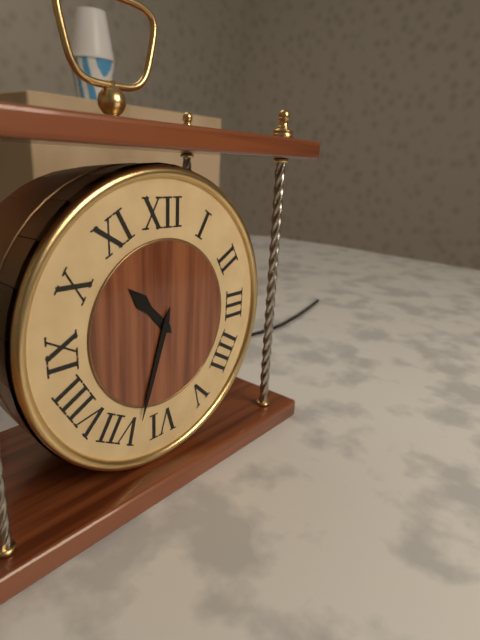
h=10 m=33
